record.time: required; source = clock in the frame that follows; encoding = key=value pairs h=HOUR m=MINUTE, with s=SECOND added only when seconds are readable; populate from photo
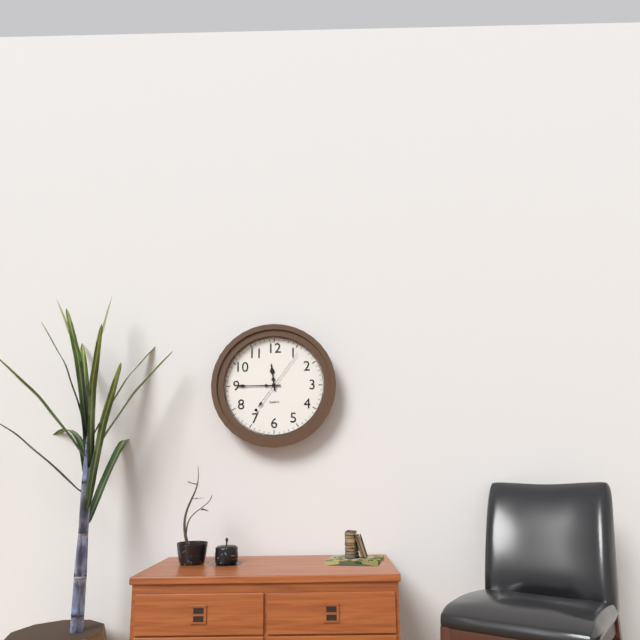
h=11 m=45 s=6
